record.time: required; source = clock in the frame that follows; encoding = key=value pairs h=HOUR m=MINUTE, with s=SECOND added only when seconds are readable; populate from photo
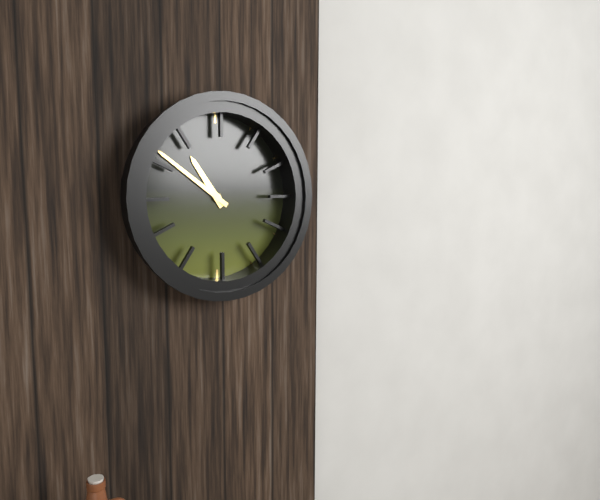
h=10 m=51
